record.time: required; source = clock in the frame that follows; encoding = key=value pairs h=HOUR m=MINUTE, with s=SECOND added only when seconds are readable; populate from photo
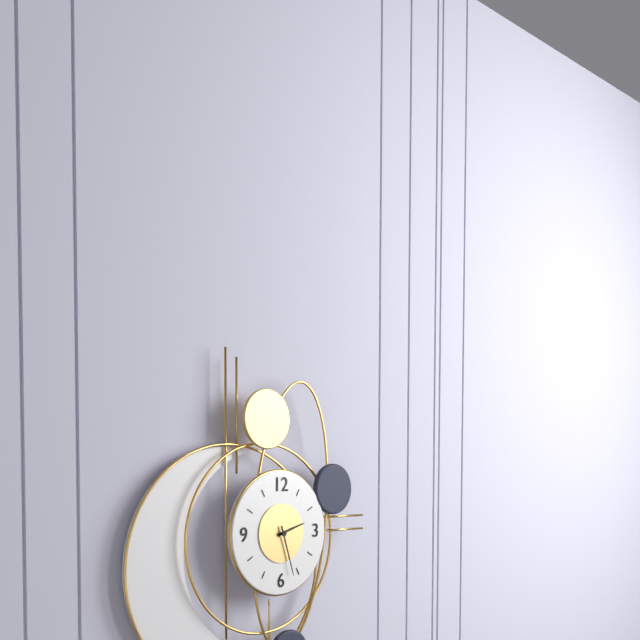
h=2 m=27
